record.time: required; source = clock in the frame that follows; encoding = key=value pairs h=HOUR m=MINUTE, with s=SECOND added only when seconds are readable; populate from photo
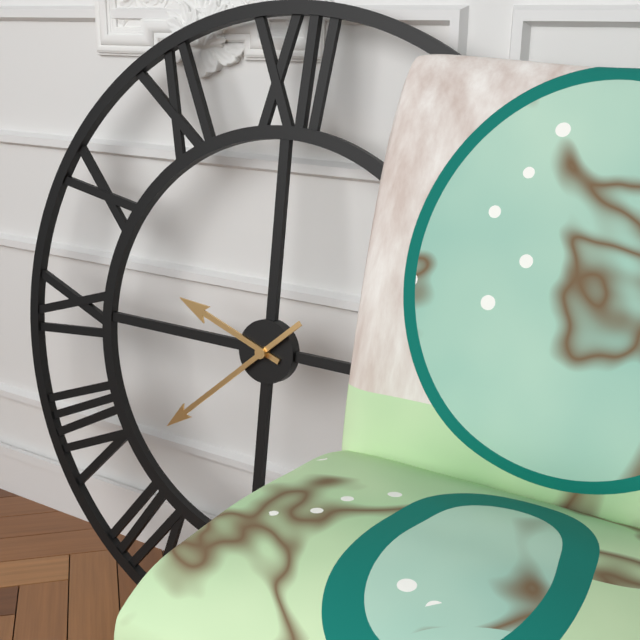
h=9 m=38
